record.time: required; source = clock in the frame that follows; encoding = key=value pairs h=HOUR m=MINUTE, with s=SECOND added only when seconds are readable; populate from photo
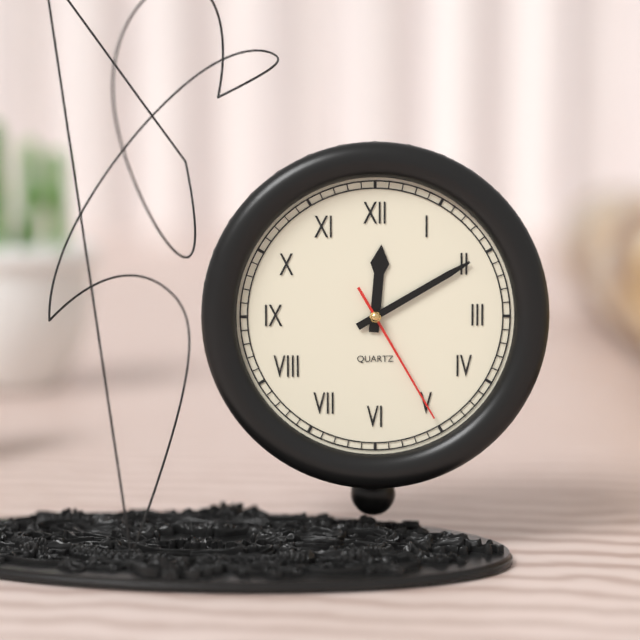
h=12 m=10 s=25
